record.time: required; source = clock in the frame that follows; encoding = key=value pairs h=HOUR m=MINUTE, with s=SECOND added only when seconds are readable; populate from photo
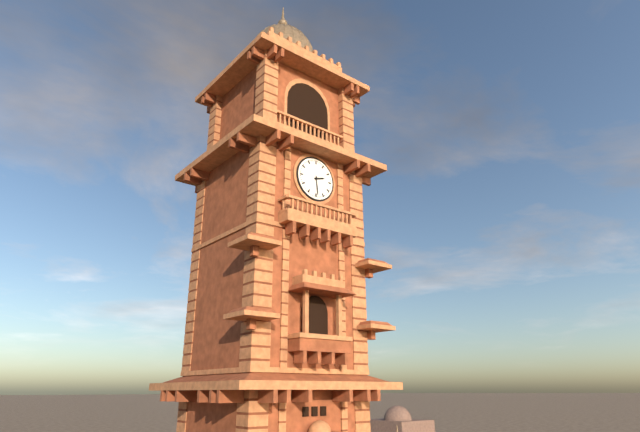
h=2 m=29
